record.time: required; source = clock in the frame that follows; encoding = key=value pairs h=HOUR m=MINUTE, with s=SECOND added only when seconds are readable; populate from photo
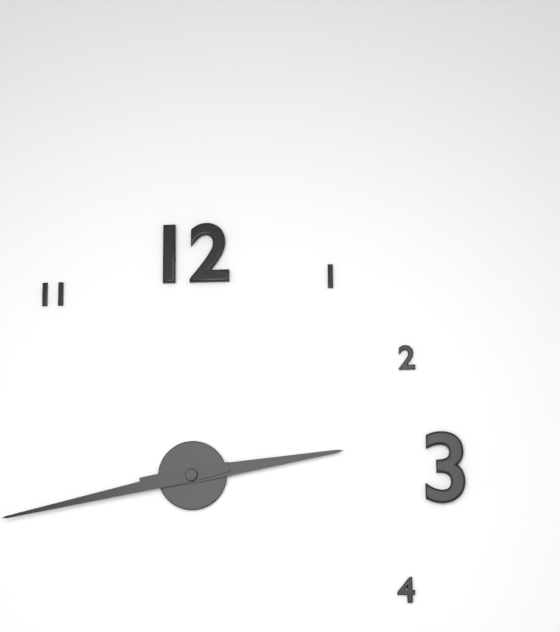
h=2 m=43
